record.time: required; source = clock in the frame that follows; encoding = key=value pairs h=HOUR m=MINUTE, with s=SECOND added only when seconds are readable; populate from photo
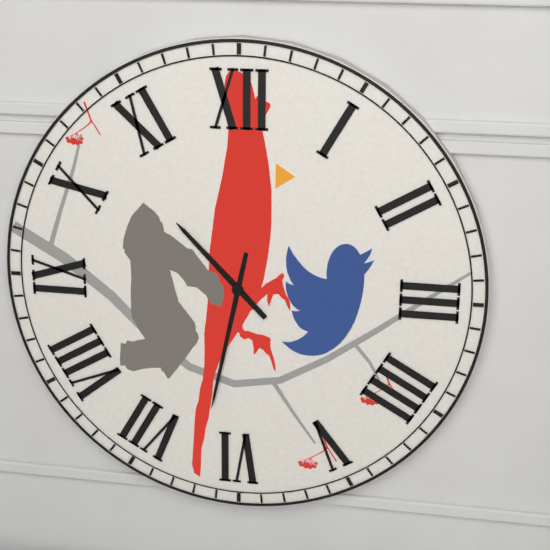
h=10 m=32
